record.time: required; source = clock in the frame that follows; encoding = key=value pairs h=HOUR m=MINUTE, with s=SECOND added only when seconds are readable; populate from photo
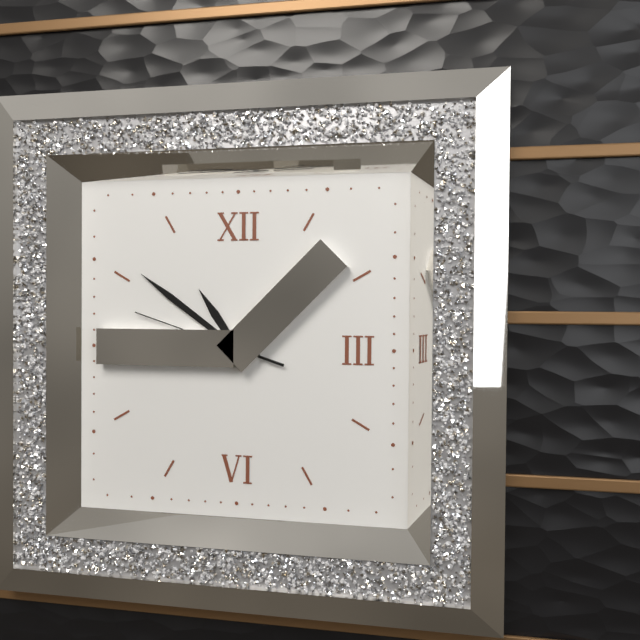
h=10 m=51 s=48
